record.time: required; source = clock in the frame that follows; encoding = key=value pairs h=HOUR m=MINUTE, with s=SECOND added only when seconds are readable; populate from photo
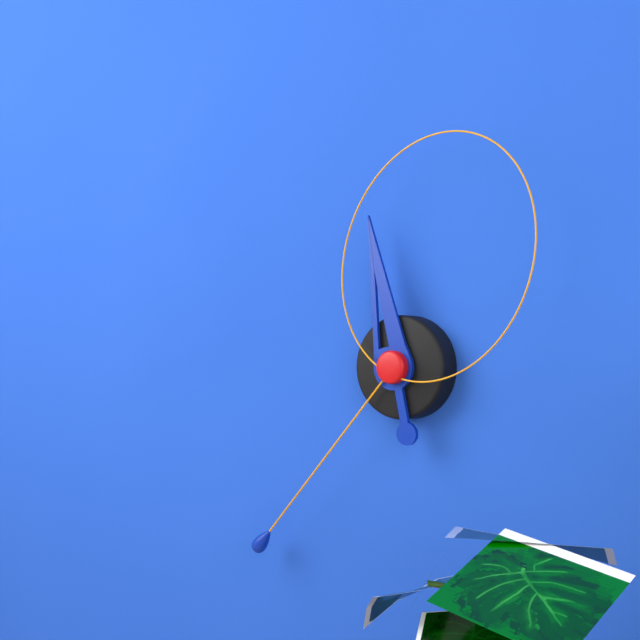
h=11 m=37 s=4
